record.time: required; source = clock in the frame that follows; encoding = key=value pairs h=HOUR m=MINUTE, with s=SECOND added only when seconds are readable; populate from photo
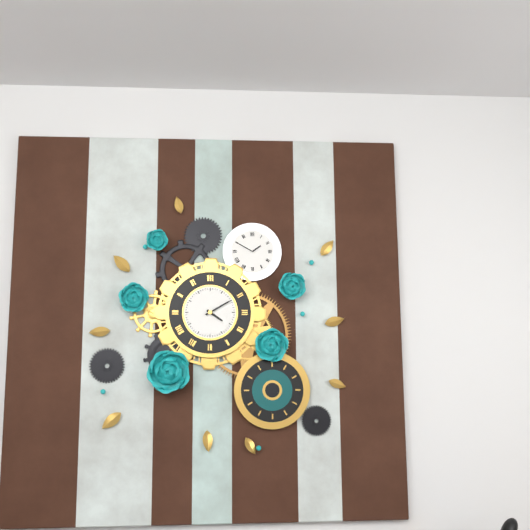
h=4 m=10
